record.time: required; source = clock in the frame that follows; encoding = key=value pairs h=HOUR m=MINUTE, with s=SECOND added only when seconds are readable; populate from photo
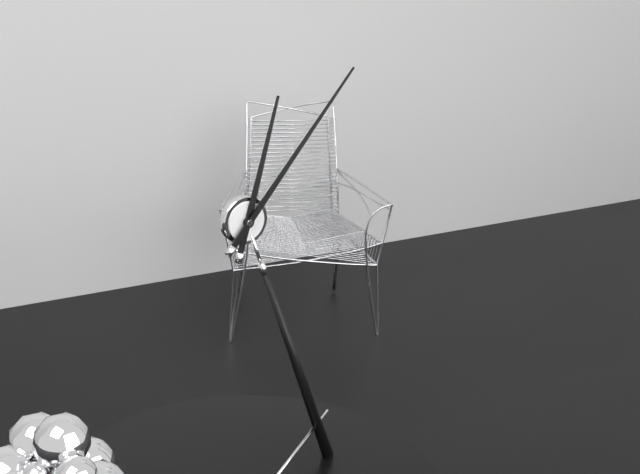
h=1 m=10
